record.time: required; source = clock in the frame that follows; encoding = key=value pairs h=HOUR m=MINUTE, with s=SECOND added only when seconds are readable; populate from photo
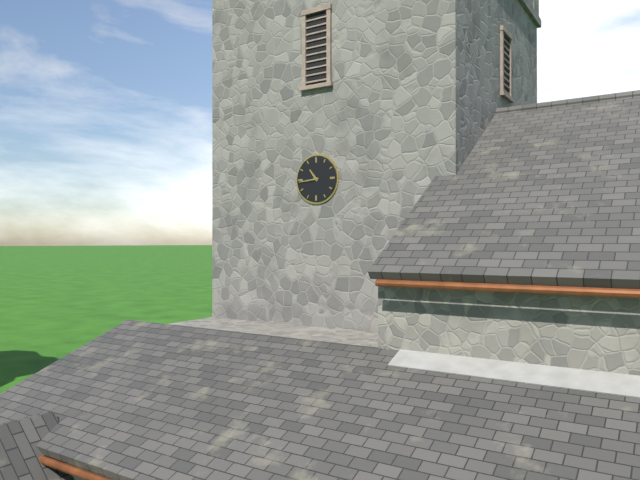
h=10 m=44
